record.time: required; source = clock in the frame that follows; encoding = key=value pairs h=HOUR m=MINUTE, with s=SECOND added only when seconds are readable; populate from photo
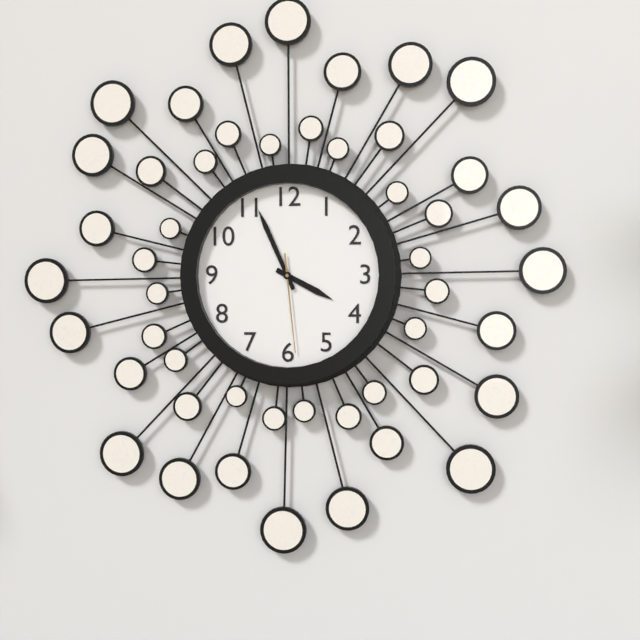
h=3 m=56 s=29
